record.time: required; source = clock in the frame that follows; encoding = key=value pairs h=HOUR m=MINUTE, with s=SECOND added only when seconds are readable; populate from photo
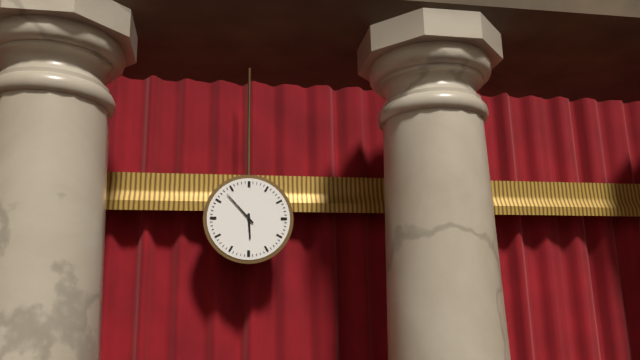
h=5 m=53
